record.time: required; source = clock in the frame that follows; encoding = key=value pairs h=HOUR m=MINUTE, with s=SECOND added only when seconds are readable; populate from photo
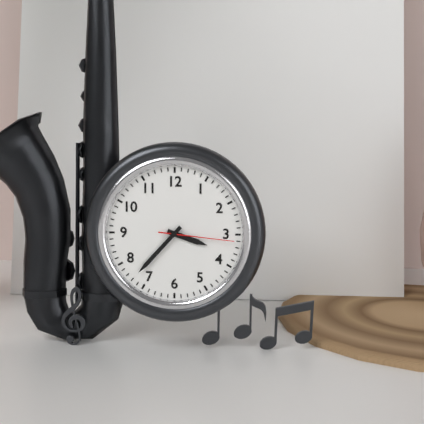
h=3 m=37 s=16
